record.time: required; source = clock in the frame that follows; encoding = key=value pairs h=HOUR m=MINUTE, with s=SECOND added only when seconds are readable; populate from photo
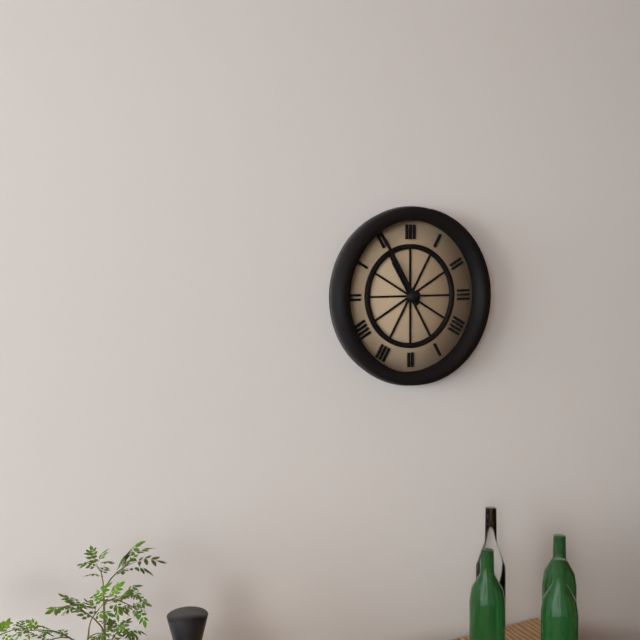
h=10 m=55
